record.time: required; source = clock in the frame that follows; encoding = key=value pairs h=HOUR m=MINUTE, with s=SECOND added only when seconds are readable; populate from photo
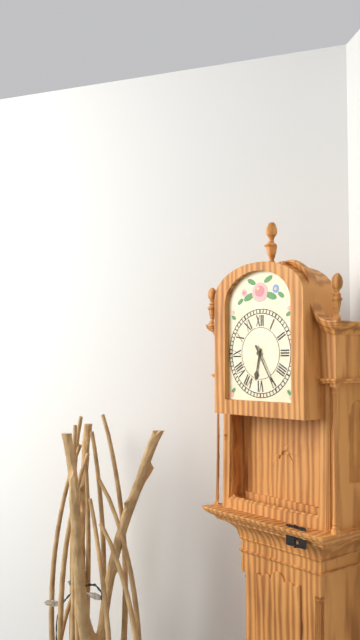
h=6 m=25
